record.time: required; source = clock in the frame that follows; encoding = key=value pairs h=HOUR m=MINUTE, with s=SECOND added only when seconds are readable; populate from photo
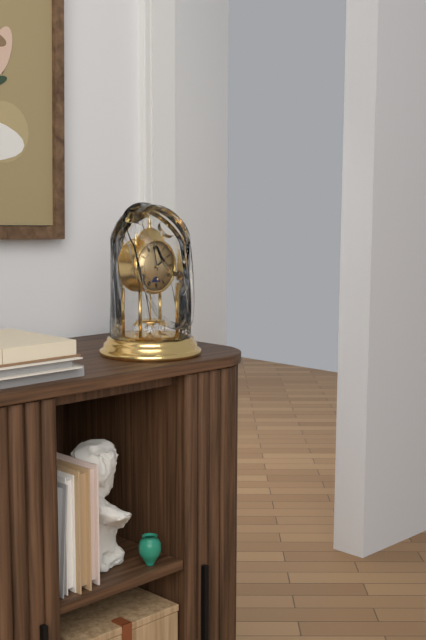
h=1 m=58
